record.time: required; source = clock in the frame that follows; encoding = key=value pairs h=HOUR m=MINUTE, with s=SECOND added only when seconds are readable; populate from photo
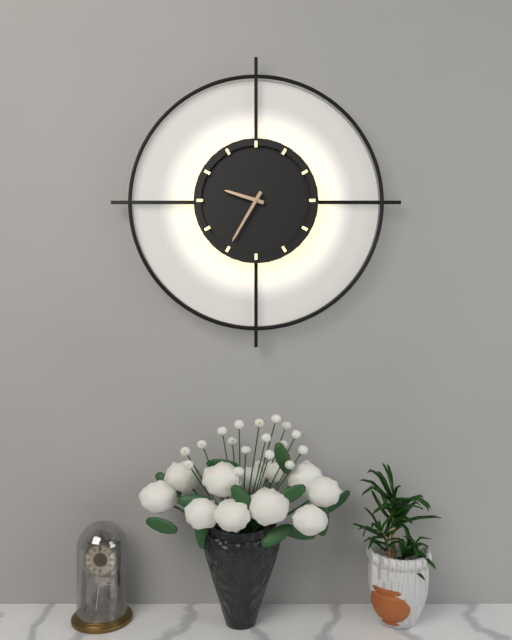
h=9 m=35
